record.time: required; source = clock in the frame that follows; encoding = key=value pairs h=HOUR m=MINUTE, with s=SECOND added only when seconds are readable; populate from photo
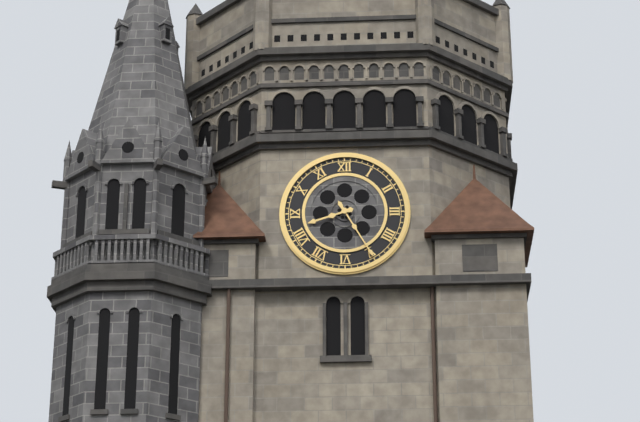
h=8 m=25
